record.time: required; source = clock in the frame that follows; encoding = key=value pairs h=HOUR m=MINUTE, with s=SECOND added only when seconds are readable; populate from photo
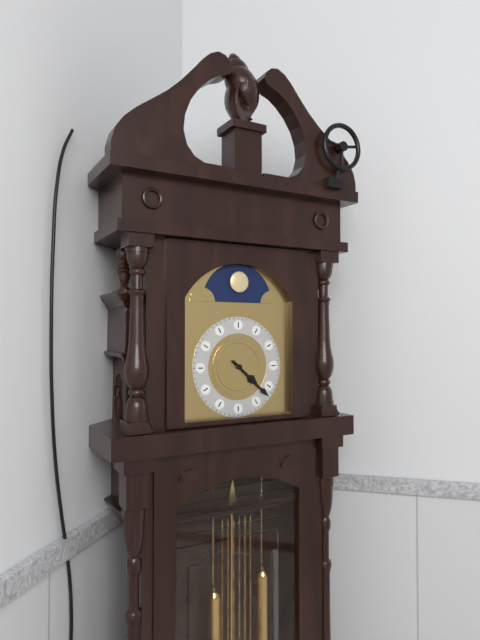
h=4 m=22
